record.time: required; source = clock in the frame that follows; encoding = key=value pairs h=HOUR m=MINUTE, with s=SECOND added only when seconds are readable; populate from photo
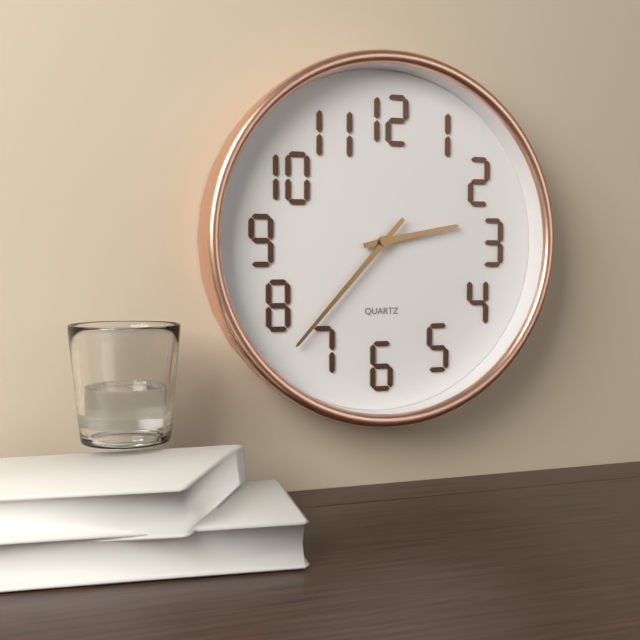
h=2 m=37
